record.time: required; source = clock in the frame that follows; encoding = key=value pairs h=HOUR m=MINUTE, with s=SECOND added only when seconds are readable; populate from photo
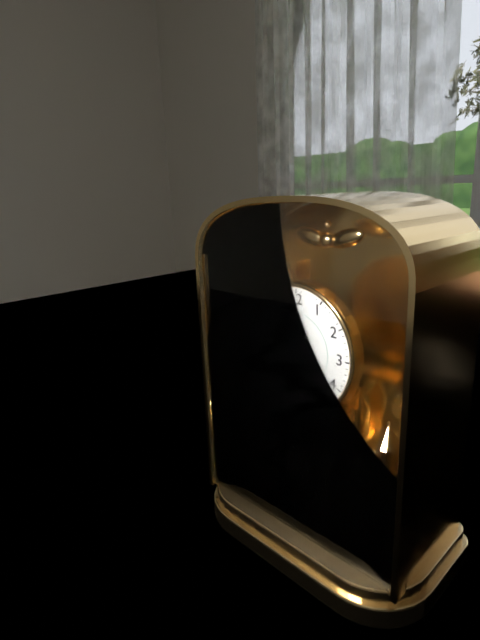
h=4 m=36 s=46
